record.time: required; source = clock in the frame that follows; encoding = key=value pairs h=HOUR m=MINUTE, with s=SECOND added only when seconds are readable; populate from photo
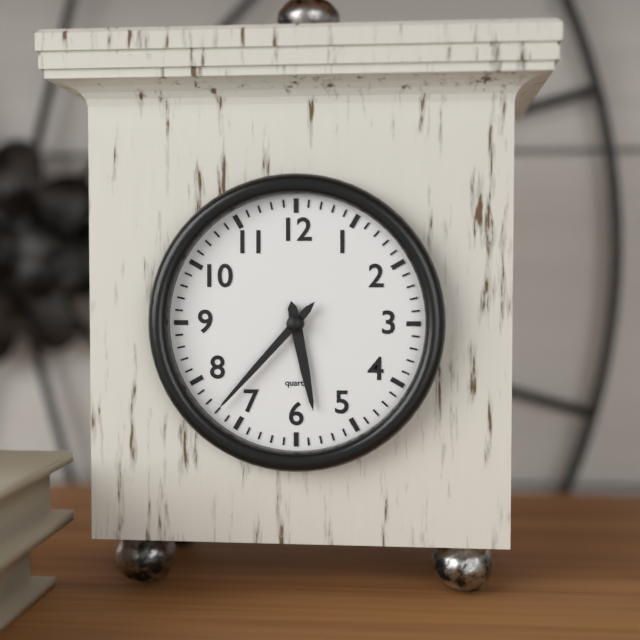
h=5 m=37
